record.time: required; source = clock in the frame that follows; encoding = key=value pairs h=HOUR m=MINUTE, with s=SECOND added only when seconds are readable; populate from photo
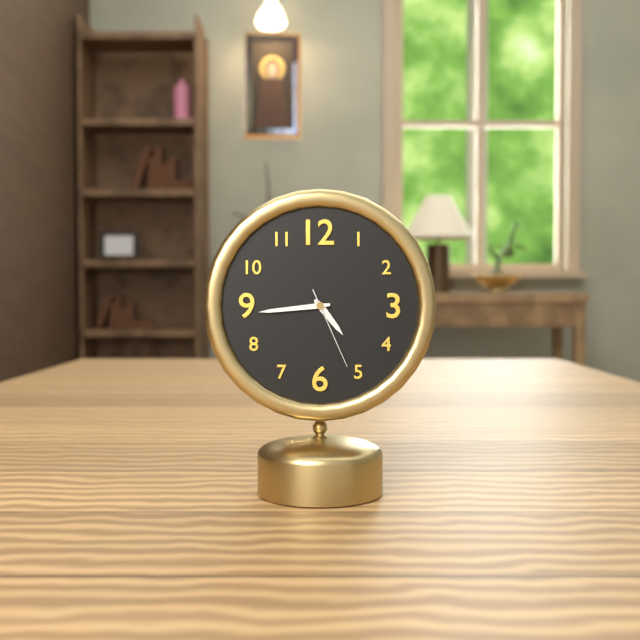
h=4 m=44 s=26
